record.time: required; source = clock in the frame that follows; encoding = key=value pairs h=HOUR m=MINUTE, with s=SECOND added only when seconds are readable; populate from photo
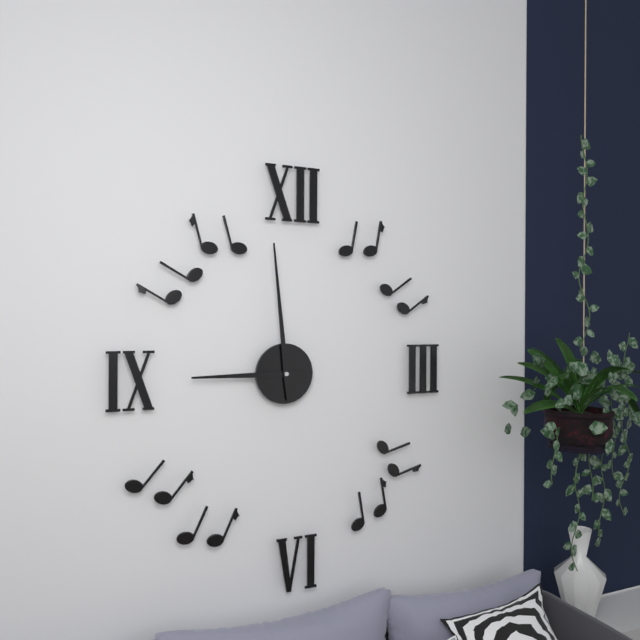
h=8 m=59
